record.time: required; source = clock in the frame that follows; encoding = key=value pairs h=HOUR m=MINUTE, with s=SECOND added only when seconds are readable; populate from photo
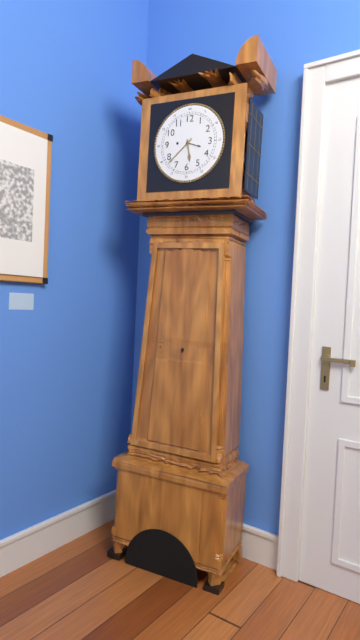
h=5 m=38
